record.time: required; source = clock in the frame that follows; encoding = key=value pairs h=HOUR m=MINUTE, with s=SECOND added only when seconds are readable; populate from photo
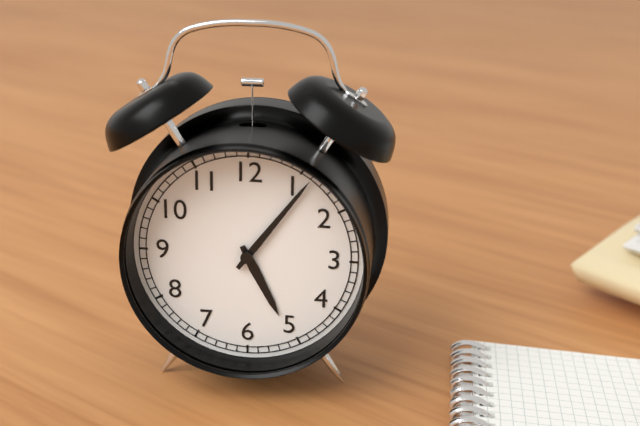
h=5 m=6
